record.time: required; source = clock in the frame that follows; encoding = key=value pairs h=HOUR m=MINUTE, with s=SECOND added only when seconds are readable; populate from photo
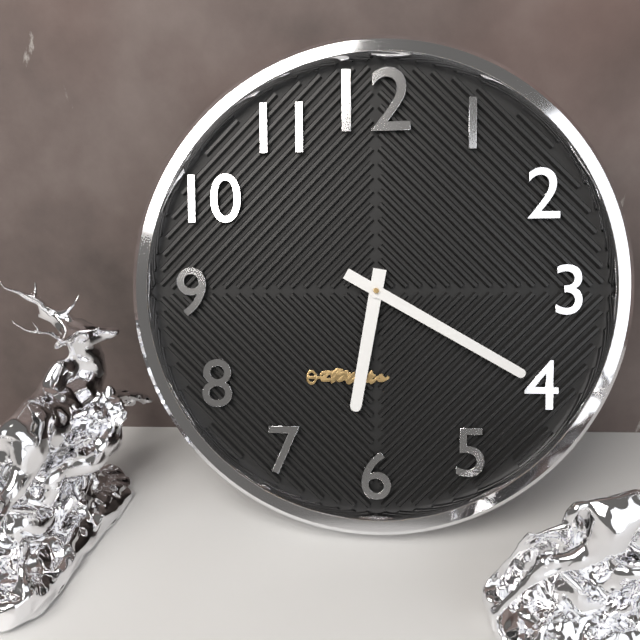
h=6 m=20
